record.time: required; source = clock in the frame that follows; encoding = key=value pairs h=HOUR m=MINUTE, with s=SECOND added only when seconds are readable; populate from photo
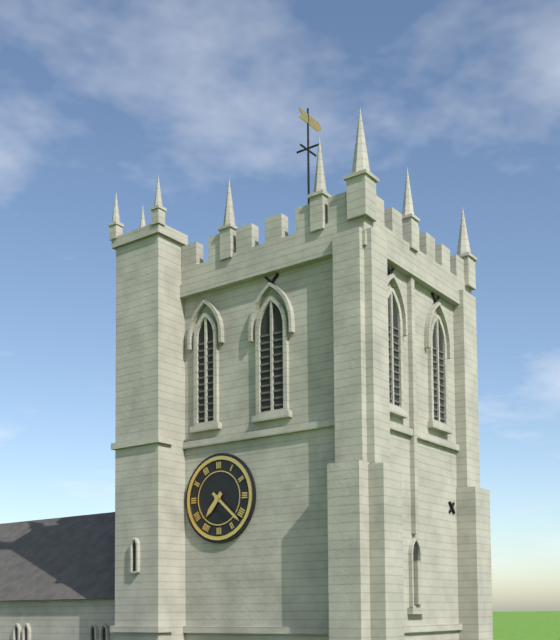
h=7 m=22
